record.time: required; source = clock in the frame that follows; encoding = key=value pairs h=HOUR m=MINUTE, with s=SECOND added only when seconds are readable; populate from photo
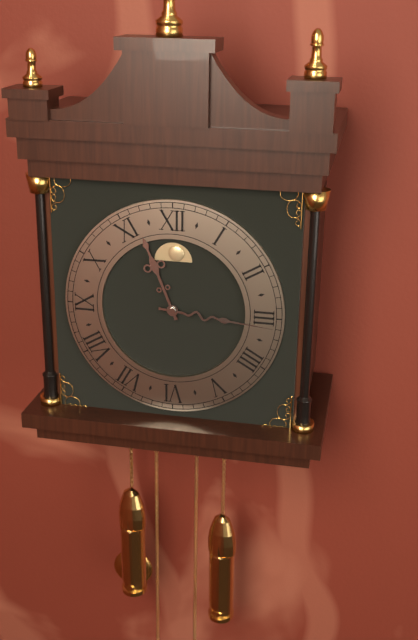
h=11 m=16
